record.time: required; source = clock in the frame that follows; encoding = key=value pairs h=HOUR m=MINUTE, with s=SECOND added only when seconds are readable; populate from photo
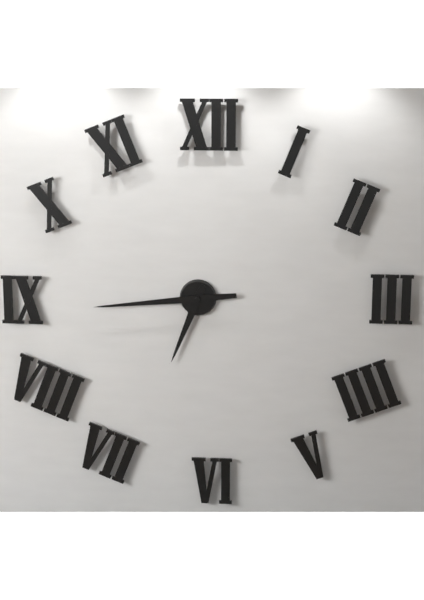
h=6 m=44
